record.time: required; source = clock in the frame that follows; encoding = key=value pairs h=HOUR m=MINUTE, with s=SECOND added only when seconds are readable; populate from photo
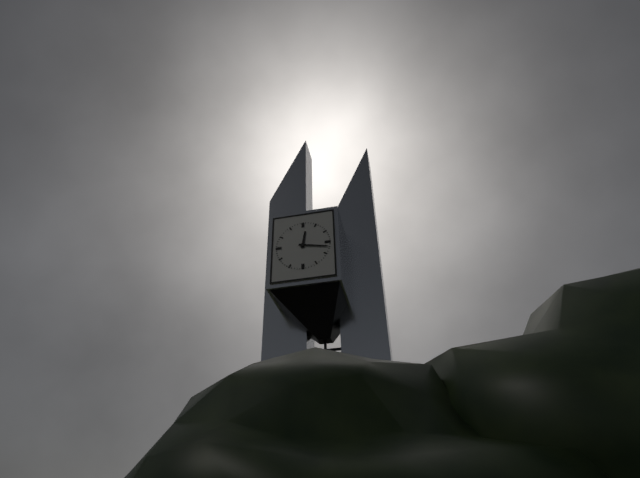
h=12 m=17
